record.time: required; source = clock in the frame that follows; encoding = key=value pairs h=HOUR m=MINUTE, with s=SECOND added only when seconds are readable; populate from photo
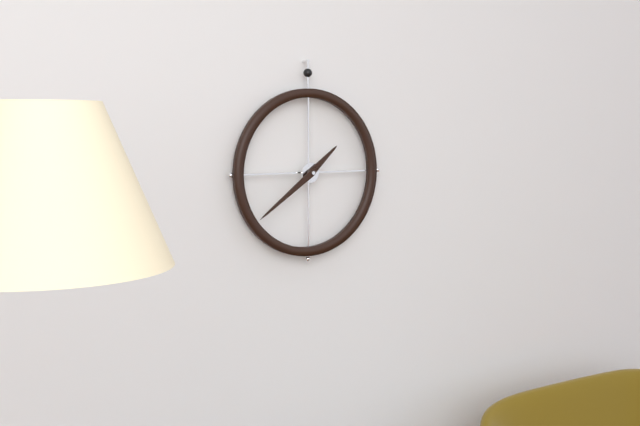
h=1 m=39
